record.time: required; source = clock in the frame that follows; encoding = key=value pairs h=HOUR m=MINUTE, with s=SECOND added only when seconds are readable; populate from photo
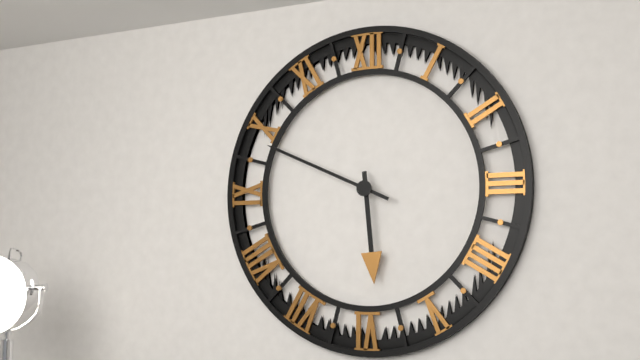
h=5 m=49
